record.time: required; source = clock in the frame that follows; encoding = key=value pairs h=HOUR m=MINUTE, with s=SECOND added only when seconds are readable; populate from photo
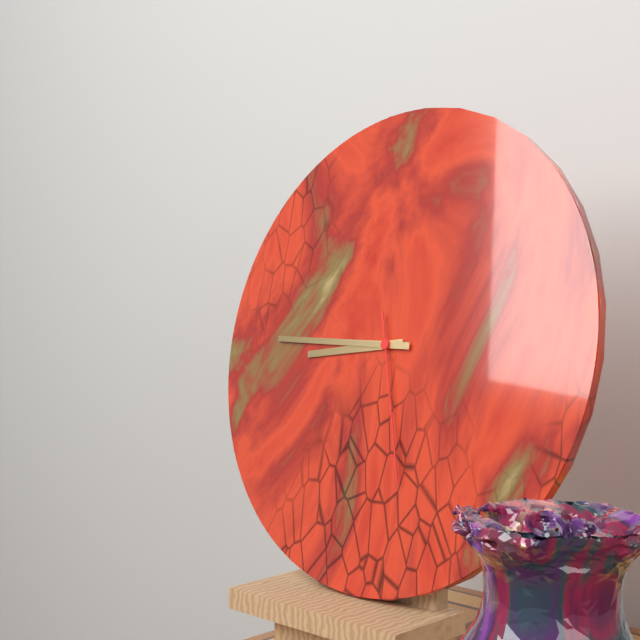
h=8 m=45 s=27
